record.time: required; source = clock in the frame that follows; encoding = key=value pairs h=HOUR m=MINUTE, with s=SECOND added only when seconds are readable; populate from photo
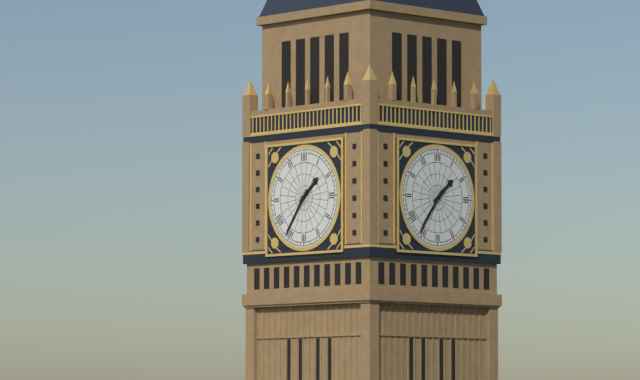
h=1 m=36
